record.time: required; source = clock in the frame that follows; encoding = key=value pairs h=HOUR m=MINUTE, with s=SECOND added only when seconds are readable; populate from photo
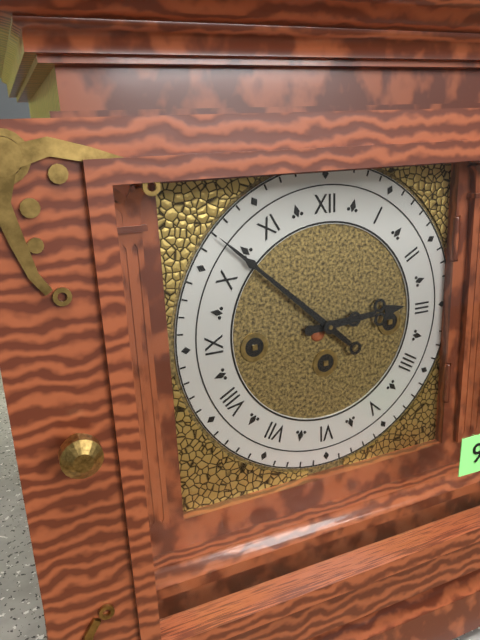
h=2 m=52
